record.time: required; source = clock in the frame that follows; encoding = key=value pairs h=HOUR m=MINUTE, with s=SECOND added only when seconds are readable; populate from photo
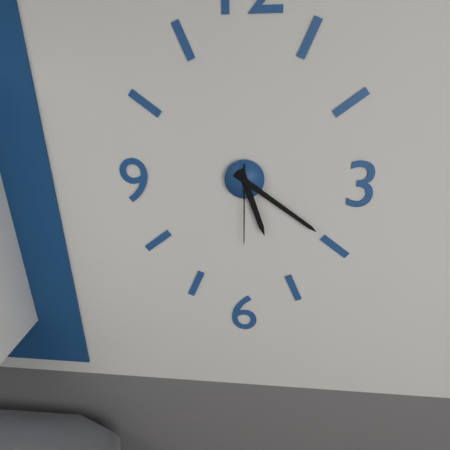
h=5 m=21 s=30
